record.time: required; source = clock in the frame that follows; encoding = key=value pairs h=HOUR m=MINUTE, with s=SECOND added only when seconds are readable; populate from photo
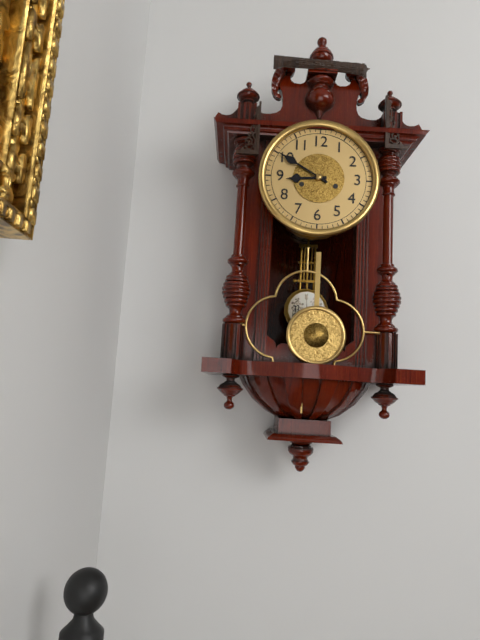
h=8 m=50
